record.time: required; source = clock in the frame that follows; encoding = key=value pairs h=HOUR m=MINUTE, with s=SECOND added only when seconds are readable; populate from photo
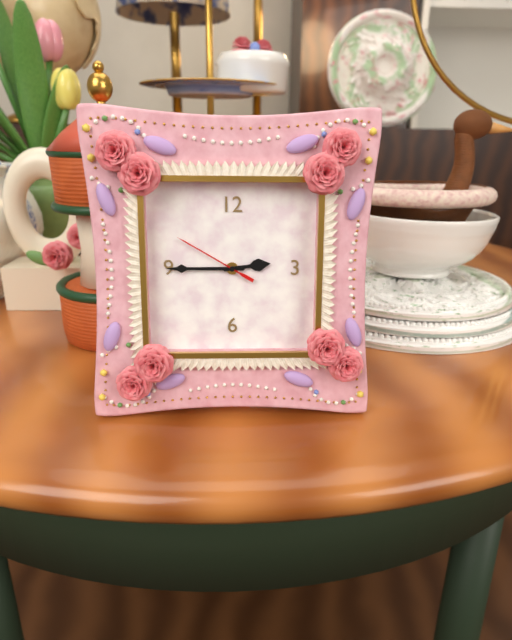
h=2 m=45 s=50
